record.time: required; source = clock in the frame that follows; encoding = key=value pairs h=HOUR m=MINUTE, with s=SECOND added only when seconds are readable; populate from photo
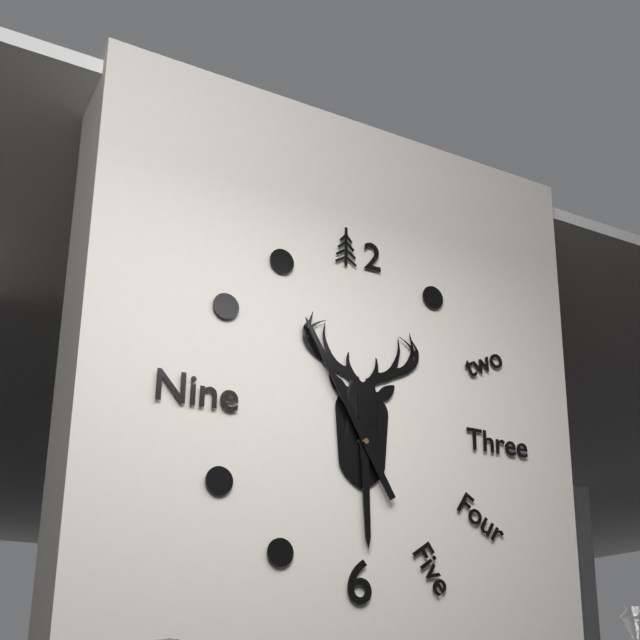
h=5 m=55
